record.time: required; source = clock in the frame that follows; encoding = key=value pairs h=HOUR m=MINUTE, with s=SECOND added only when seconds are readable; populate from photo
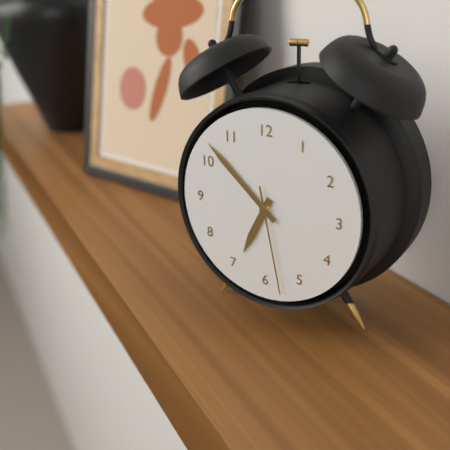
h=6 m=52 s=28
